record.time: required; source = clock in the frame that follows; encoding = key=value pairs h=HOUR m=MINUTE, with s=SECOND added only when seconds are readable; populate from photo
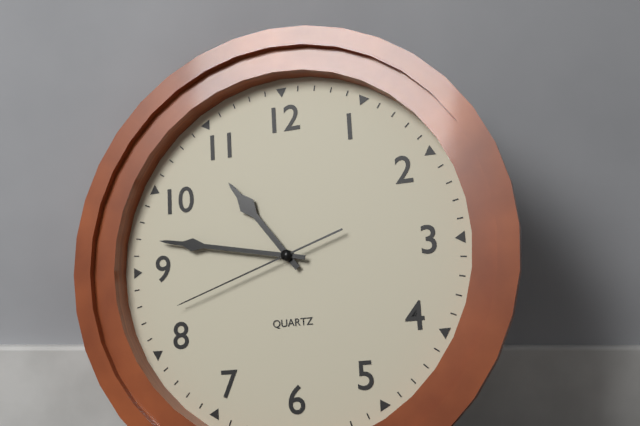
h=10 m=47 s=42
